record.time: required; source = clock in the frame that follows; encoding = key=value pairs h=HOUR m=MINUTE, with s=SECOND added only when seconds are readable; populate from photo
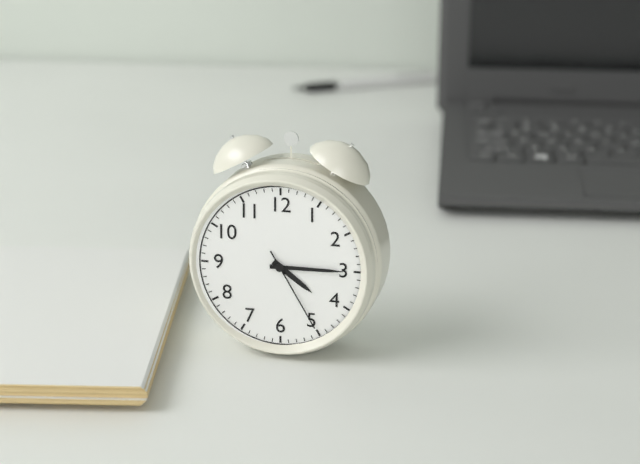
h=4 m=15 s=25
